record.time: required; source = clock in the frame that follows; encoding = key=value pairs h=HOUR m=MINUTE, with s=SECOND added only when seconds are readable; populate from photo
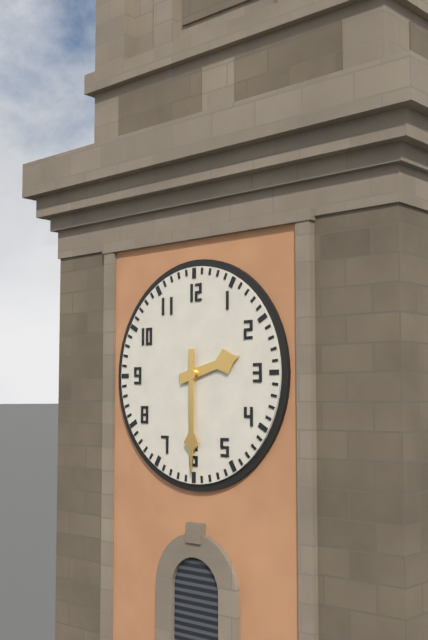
h=2 m=30
